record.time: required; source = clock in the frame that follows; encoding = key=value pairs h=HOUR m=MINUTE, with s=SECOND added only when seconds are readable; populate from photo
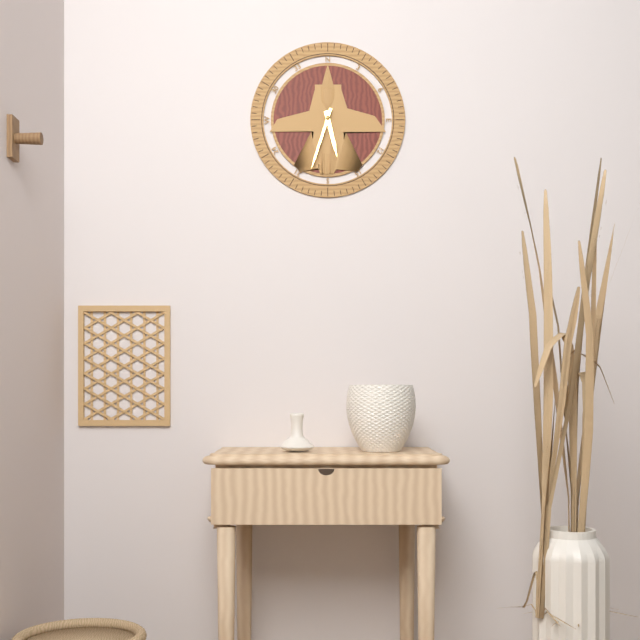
h=5 m=33
